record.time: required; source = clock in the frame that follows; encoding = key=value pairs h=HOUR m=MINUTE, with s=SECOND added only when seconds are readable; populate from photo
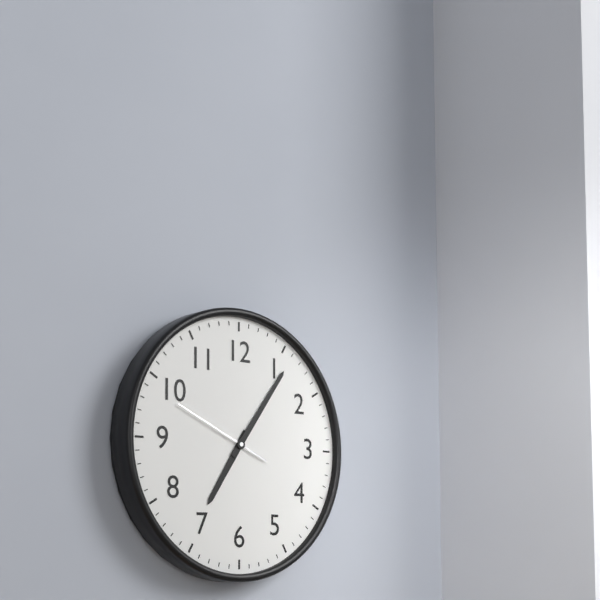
h=7 m=6 s=49
